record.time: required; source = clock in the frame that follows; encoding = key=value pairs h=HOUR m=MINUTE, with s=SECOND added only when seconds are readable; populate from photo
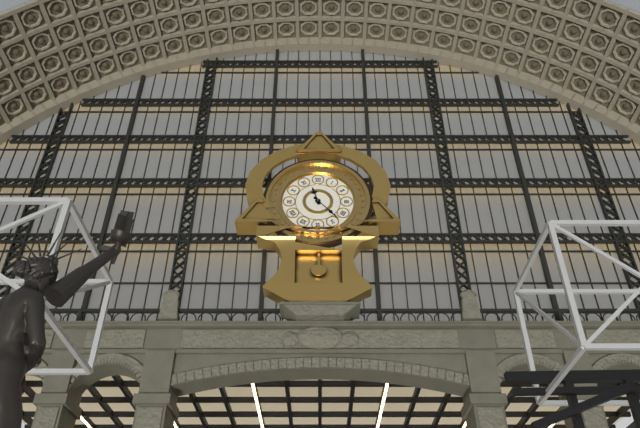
h=11 m=23
